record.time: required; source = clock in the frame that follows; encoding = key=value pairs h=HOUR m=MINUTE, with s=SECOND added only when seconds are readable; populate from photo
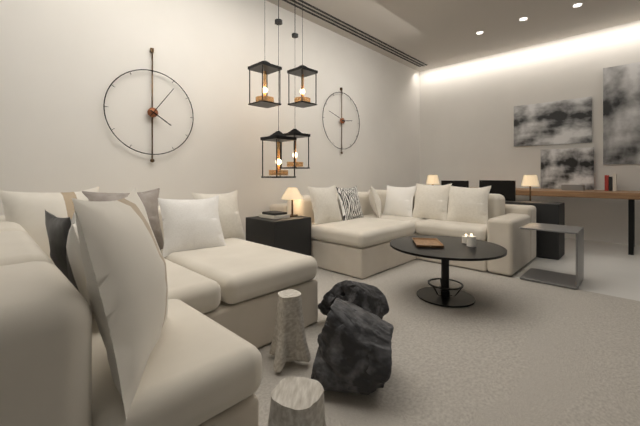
h=4 m=6
